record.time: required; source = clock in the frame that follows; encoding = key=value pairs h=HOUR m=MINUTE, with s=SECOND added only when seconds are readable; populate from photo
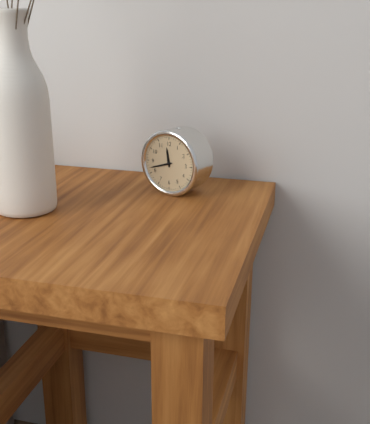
h=11 m=42
